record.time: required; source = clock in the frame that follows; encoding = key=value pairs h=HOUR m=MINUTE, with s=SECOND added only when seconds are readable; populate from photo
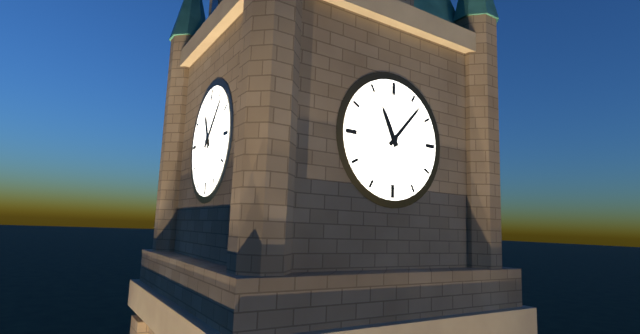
h=11 m=7
